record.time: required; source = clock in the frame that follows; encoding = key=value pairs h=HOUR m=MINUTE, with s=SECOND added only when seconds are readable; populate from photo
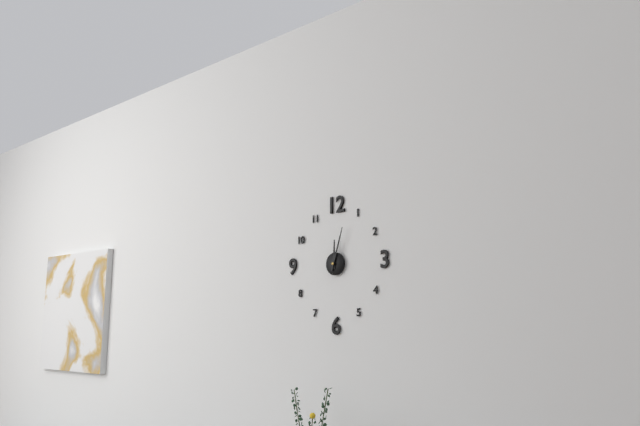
h=12 m=3
